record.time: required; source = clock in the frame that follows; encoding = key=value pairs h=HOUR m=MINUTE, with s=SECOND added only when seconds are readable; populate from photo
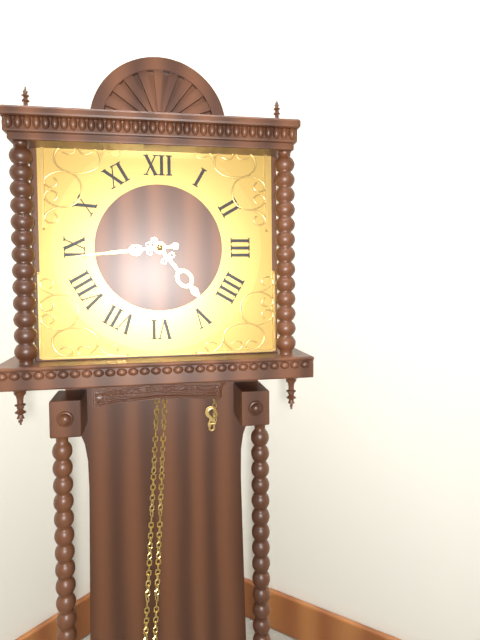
h=4 m=44
